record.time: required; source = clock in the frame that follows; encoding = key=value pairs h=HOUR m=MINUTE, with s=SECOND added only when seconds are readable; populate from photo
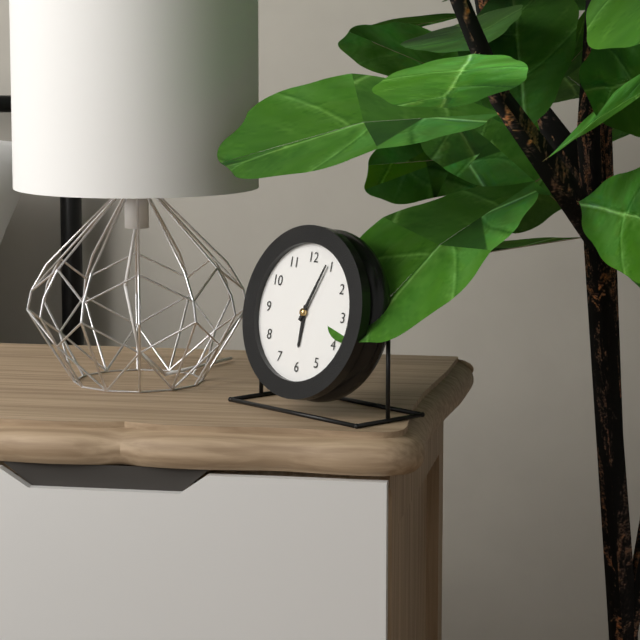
h=6 m=4
